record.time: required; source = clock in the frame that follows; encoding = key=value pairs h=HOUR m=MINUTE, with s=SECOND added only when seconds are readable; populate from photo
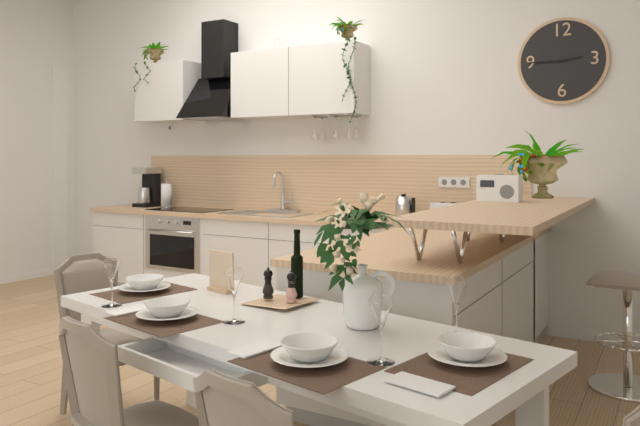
h=2 m=45
